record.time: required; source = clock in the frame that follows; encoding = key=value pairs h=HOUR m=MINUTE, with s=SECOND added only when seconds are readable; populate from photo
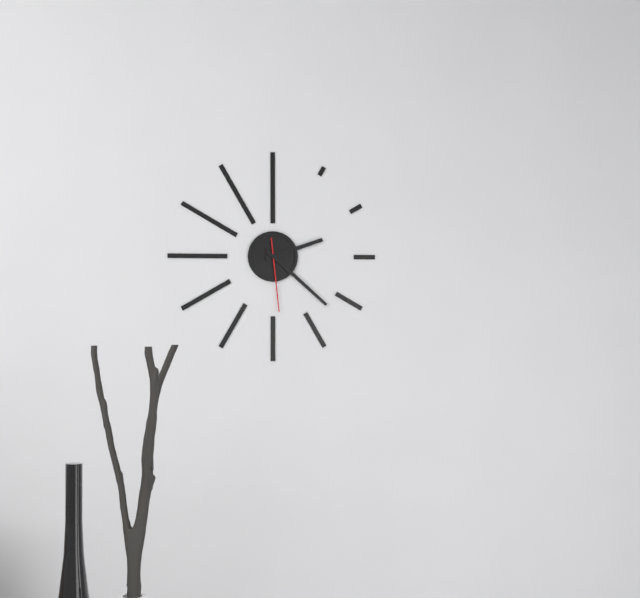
h=2 m=22 s=29
